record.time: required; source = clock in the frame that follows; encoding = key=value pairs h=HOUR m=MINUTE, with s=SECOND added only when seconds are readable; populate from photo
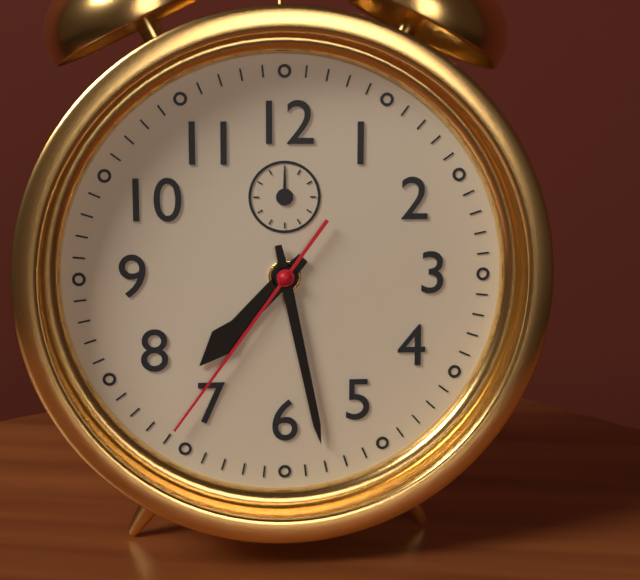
h=7 m=28 s=36
